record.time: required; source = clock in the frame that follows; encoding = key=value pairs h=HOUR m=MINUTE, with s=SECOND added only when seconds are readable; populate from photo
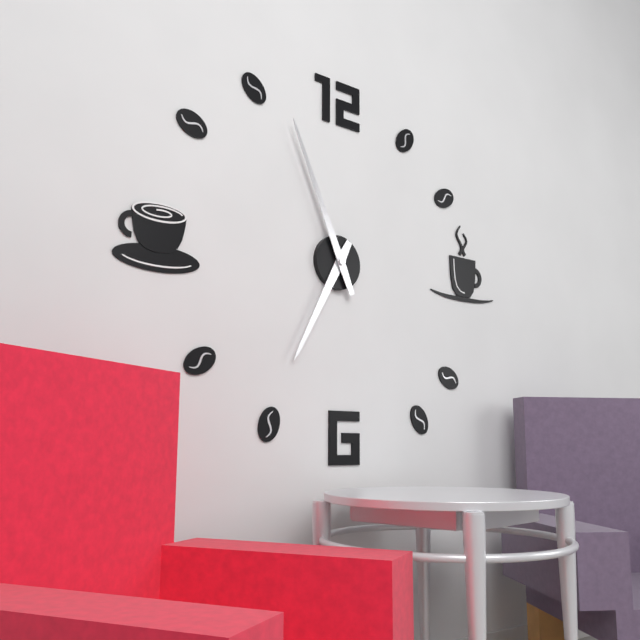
h=6 m=56
